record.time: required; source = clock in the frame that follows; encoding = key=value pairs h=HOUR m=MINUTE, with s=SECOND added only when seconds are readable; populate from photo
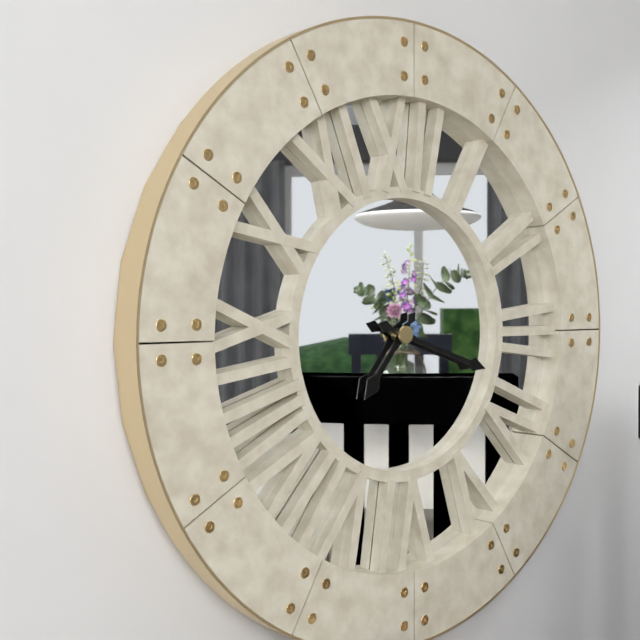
h=7 m=18
